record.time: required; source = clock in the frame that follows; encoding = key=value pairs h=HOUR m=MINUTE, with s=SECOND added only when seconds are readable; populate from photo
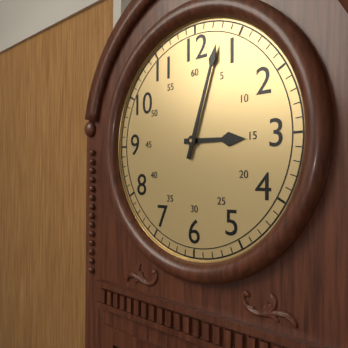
h=3 m=3
